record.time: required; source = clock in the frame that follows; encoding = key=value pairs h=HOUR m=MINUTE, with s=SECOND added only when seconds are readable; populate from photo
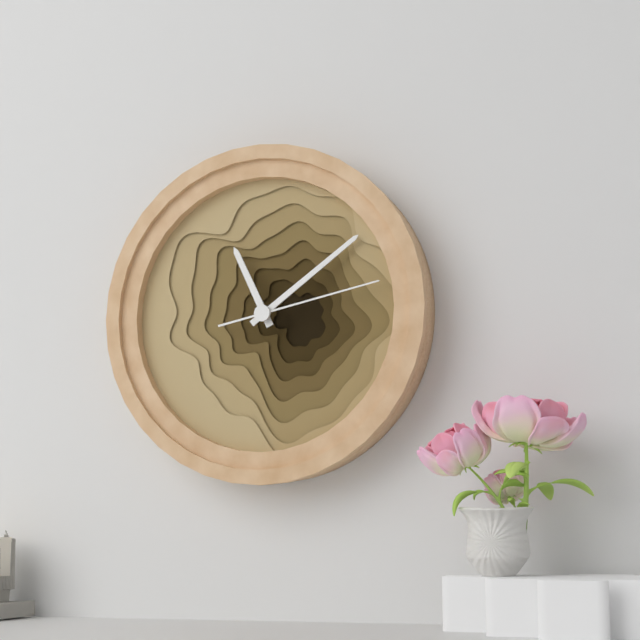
h=11 m=9 s=13
